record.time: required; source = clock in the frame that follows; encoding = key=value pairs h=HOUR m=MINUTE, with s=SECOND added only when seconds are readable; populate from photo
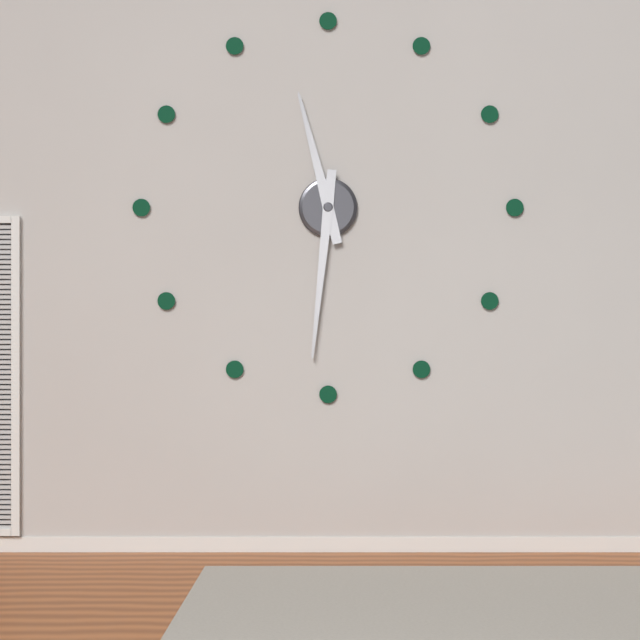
h=11 m=31
